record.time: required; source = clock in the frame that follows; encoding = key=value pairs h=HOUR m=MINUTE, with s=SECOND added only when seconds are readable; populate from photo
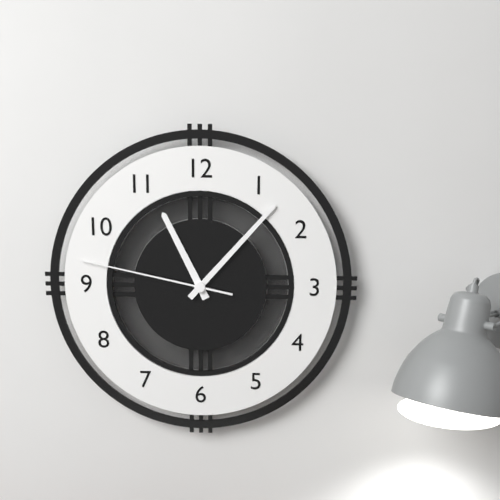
h=11 m=7 s=47
